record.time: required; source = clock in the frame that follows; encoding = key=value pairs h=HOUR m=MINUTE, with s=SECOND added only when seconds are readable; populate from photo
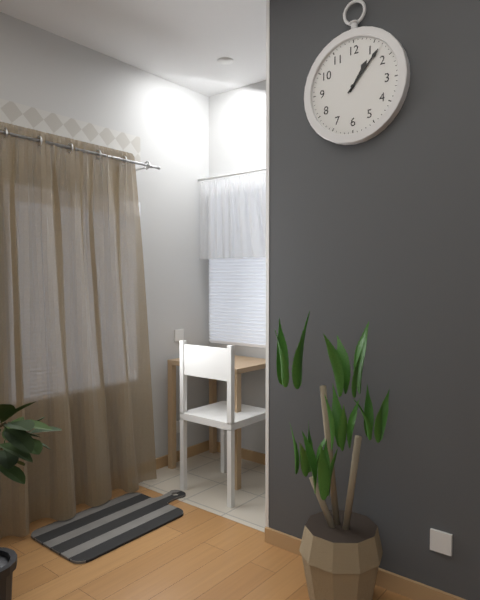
h=1 m=7
